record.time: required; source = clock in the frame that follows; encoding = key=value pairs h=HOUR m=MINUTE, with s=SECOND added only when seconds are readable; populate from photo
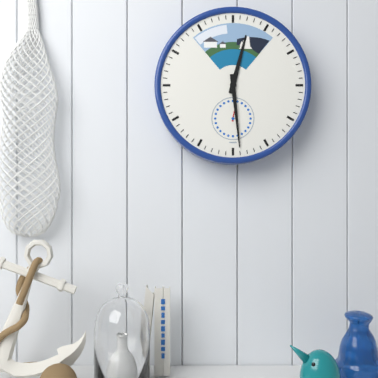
h=12 m=29
